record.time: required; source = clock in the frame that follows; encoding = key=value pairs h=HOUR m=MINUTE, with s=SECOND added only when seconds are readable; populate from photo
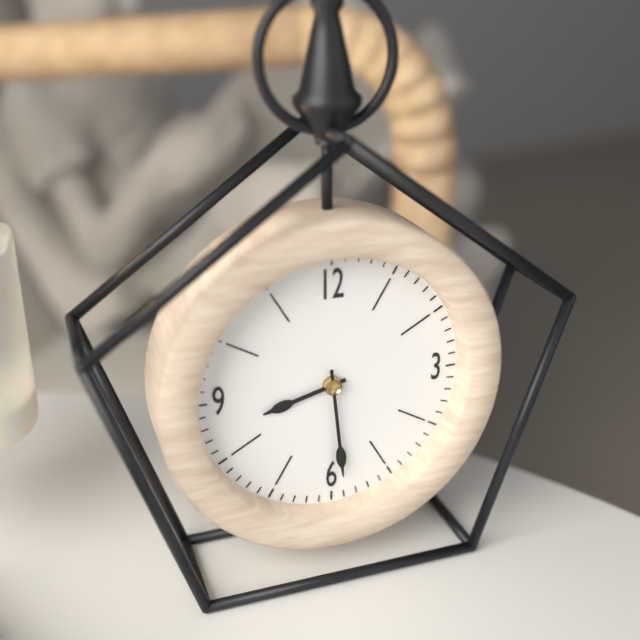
h=8 m=29
